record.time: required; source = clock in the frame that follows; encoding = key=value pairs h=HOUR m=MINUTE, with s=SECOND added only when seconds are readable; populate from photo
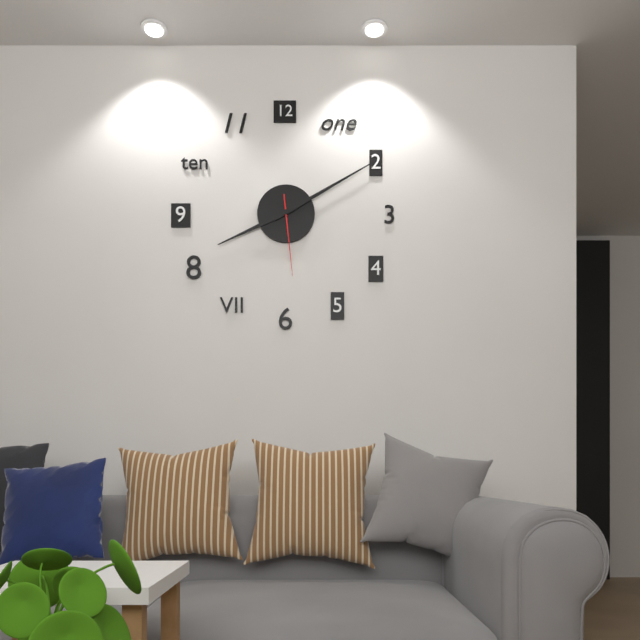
h=8 m=10 s=29
